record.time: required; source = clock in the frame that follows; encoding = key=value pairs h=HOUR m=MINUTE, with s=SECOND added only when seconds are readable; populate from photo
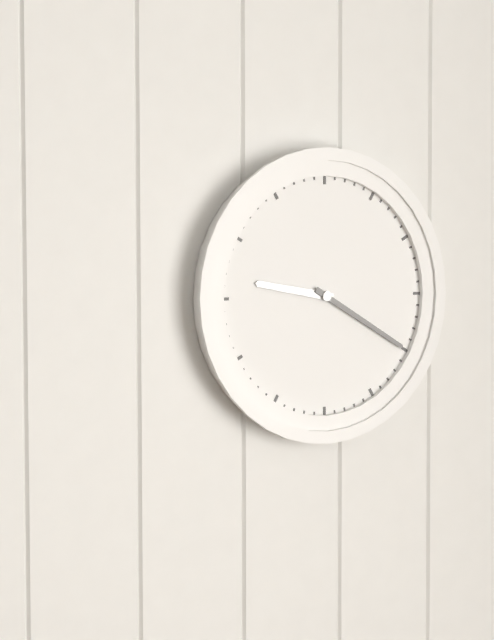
h=9 m=20
